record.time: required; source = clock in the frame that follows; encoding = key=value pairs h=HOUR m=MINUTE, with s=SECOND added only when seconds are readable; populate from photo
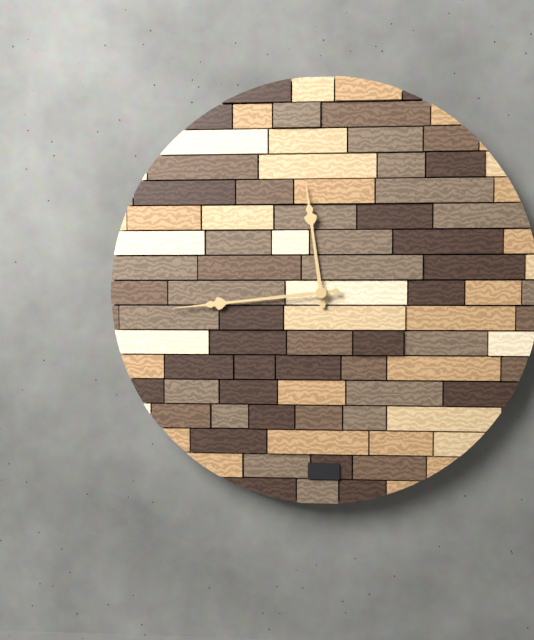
h=11 m=44
